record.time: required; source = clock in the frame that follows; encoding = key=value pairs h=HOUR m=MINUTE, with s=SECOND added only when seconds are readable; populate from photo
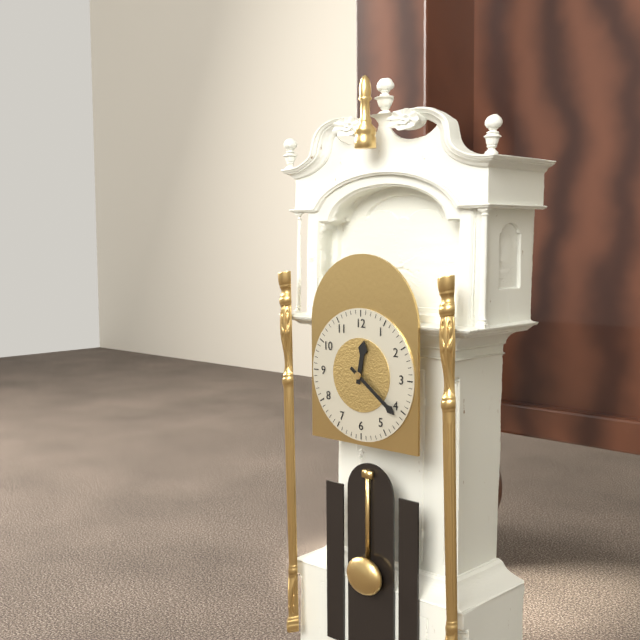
h=12 m=21
